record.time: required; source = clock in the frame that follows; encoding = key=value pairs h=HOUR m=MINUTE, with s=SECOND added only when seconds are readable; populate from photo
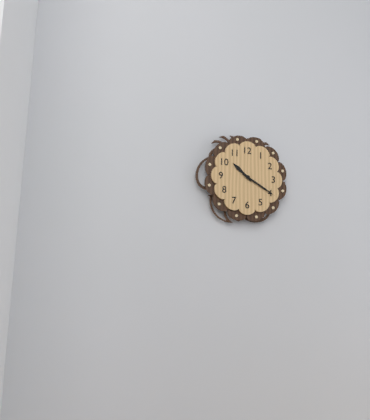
h=10 m=20
